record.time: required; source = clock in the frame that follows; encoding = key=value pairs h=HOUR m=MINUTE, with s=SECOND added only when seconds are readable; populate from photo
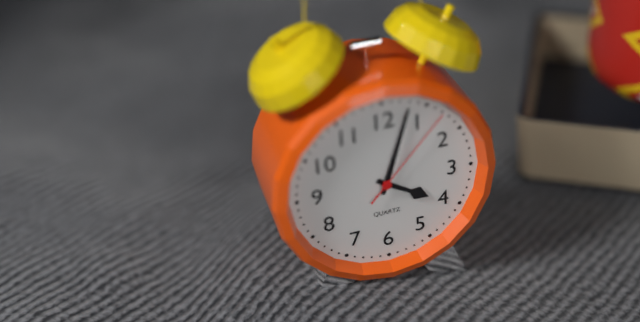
h=4 m=3 s=7
